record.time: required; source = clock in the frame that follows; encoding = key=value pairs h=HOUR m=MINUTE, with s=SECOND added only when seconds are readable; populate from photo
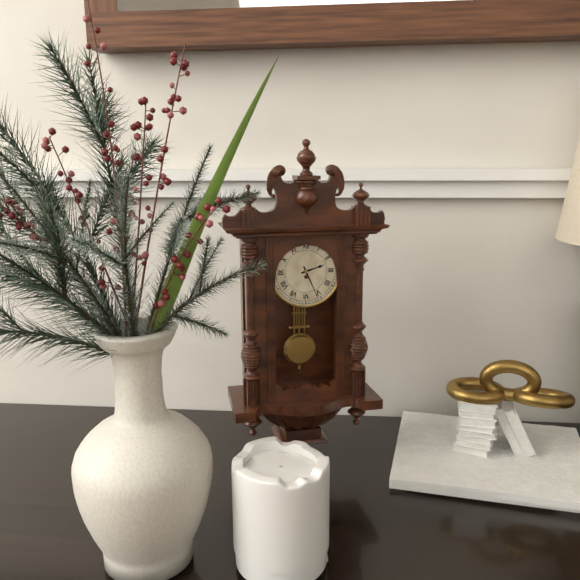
h=2 m=26
